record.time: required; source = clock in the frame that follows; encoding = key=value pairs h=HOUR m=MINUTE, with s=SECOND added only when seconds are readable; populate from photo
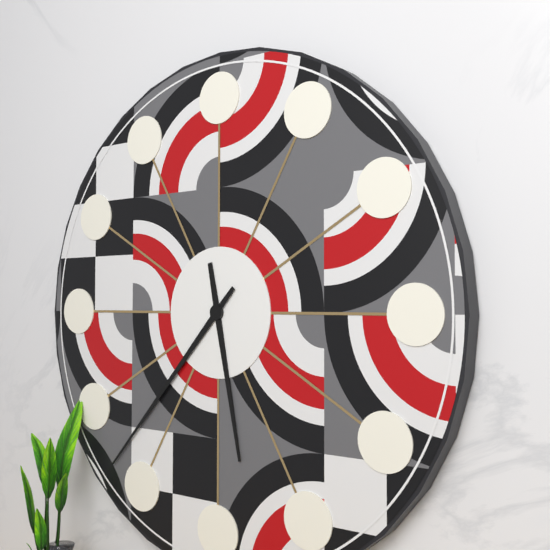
h=5 m=37
